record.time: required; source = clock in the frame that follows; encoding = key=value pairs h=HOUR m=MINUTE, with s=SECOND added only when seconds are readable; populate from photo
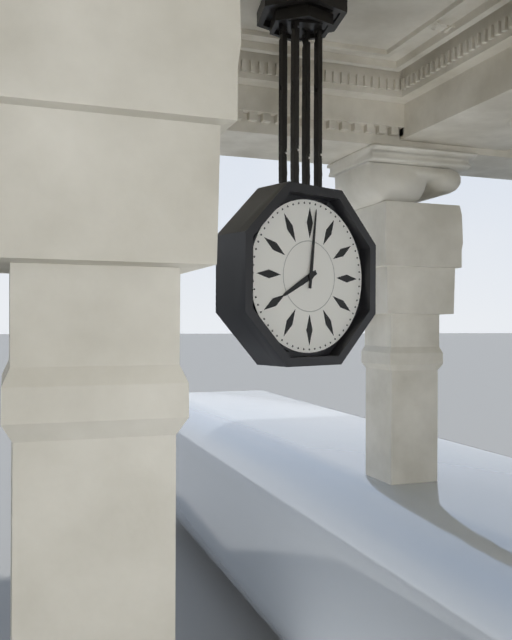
h=8 m=1
